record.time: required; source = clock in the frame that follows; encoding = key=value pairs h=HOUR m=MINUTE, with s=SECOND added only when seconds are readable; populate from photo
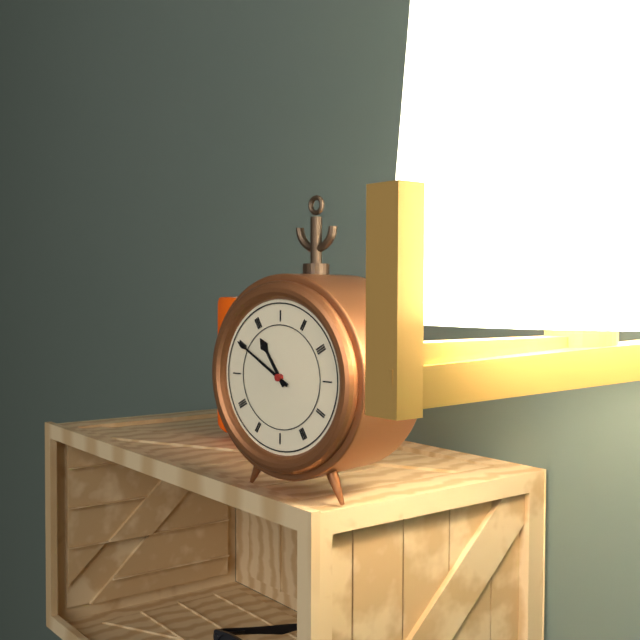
h=10 m=50
